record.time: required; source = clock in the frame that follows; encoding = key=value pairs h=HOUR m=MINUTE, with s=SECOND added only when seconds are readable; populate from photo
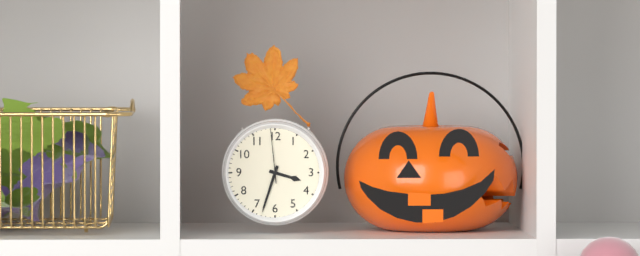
h=3 m=33 s=59
